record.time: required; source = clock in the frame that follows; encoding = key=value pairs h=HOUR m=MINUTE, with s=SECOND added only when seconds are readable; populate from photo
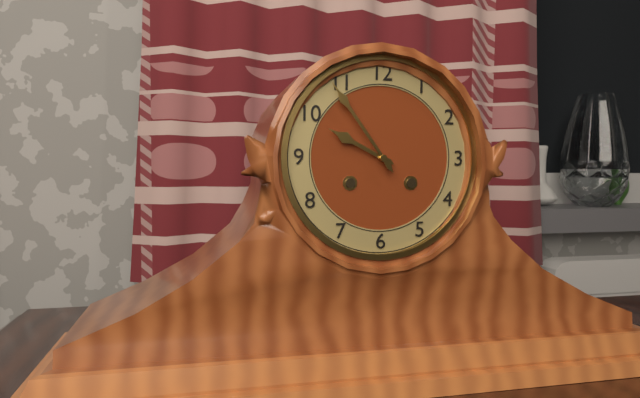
h=9 m=54
